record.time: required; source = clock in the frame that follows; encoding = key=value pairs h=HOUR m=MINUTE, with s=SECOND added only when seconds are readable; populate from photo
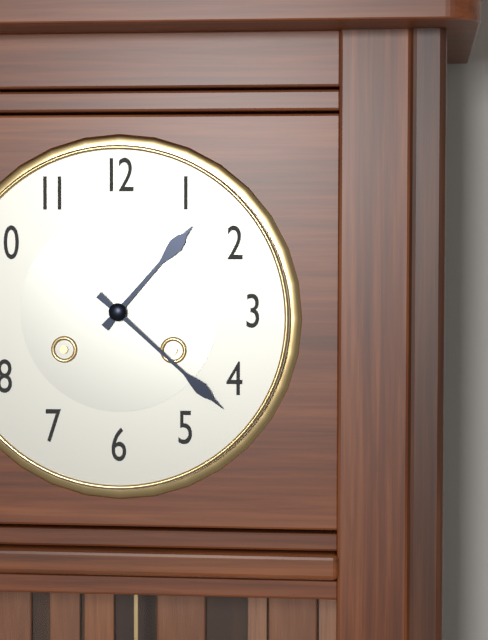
h=1 m=22
